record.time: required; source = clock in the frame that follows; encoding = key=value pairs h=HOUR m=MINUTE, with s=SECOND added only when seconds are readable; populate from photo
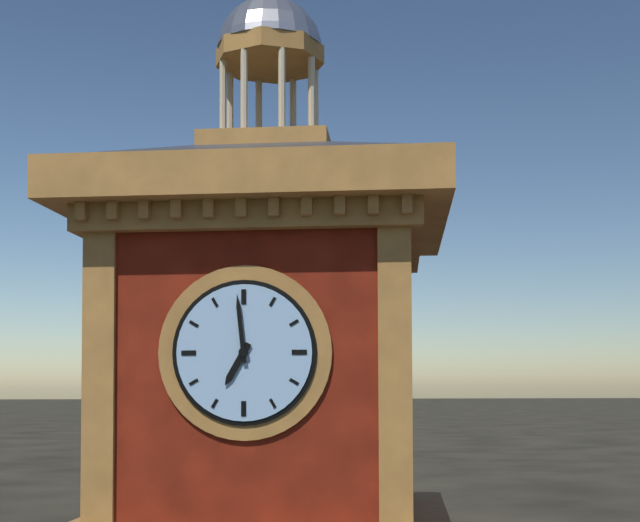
h=6 m=59
